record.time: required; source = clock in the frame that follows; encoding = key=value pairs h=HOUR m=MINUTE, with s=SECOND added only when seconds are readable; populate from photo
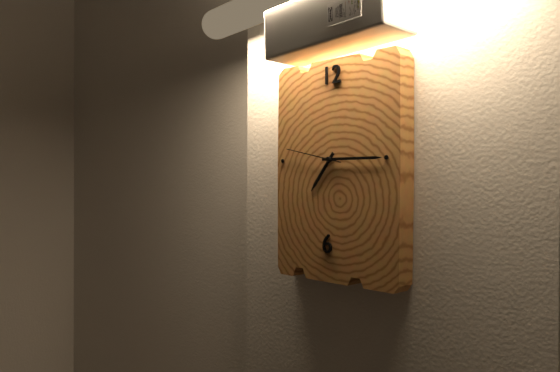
h=7 m=15 s=47
